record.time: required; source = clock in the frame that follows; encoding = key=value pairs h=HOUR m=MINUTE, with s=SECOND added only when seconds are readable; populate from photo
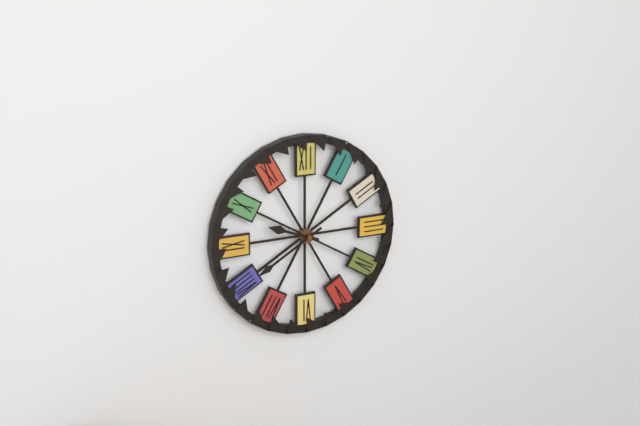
h=9 m=40
